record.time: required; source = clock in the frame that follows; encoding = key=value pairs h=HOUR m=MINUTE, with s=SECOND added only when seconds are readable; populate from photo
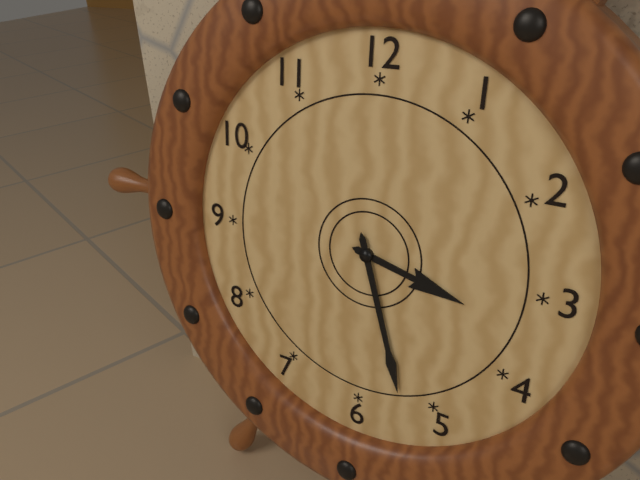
h=3 m=27
